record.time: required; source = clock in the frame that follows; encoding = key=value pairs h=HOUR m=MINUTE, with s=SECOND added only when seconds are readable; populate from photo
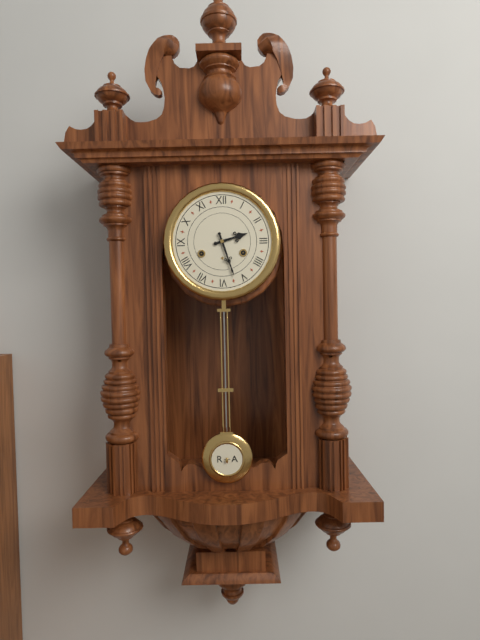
h=2 m=27
